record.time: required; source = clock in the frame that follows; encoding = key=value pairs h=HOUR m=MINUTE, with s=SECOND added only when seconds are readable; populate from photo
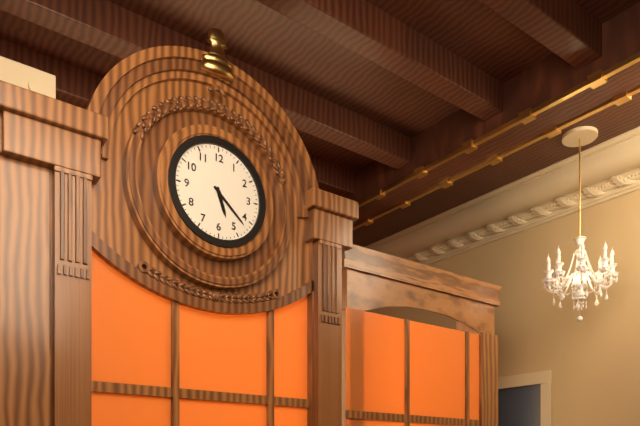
h=5 m=22
